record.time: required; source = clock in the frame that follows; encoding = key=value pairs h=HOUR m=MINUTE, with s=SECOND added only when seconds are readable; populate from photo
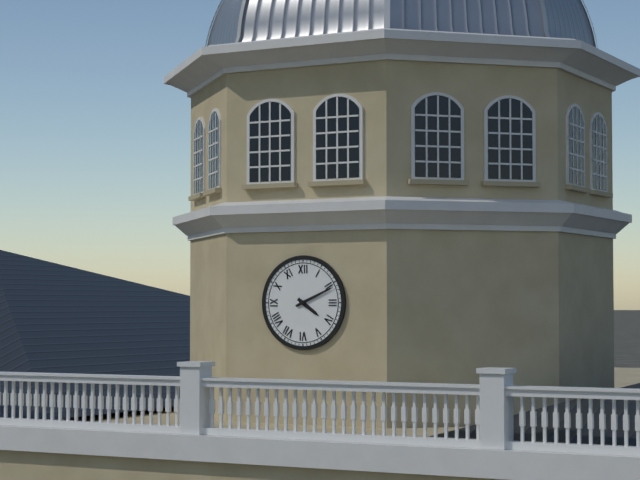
h=4 m=11
